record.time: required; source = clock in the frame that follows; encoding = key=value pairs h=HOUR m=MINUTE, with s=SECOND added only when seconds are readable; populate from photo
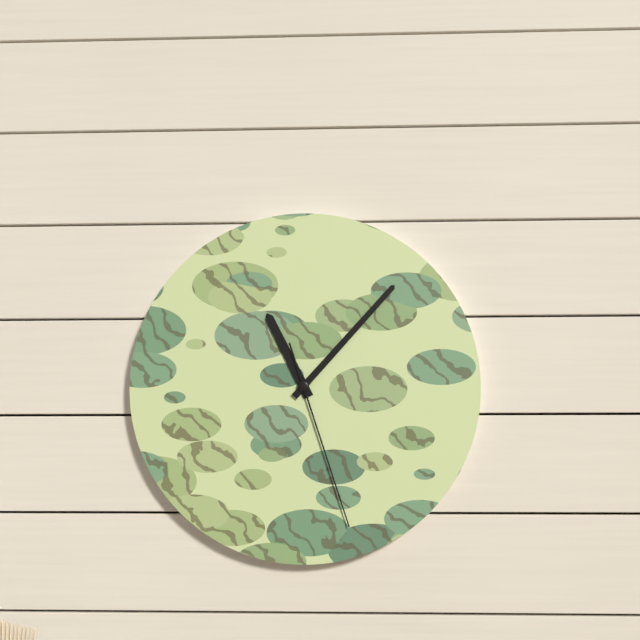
h=11 m=7 s=27
